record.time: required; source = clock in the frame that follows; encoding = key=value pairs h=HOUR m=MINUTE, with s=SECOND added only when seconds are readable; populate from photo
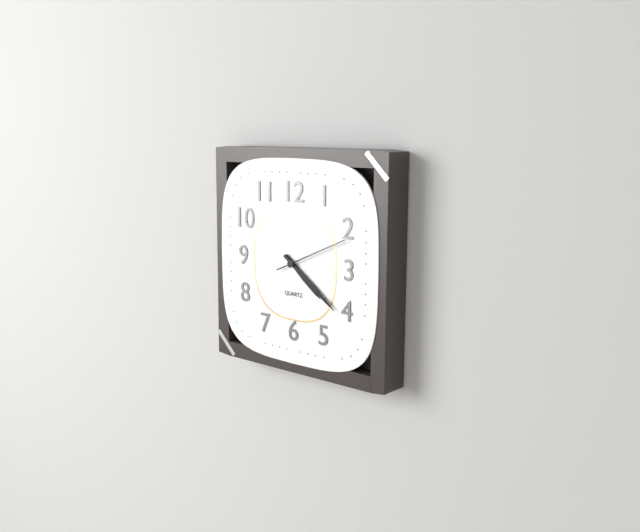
h=4 m=21 s=11
